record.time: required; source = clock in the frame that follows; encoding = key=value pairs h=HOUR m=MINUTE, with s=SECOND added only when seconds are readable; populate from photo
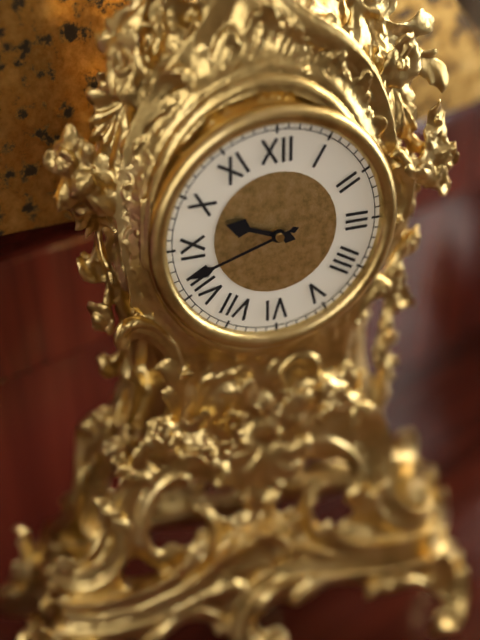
h=9 m=42
